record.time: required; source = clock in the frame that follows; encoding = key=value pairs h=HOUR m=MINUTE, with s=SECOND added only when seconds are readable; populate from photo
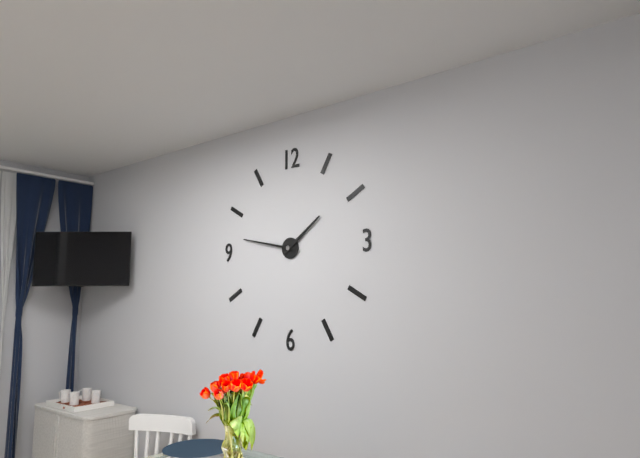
h=1 m=47
